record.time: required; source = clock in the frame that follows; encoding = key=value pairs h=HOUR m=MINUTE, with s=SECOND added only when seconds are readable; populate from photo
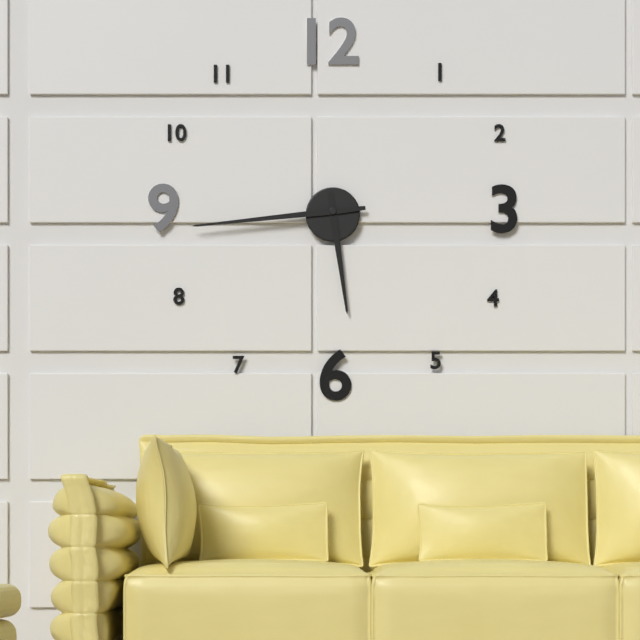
h=5 m=44
